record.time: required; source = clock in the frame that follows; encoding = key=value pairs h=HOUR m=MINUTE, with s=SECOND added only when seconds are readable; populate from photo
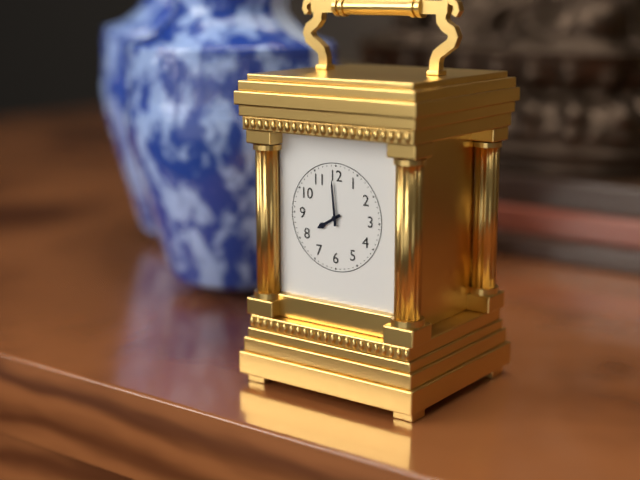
h=7 m=59
